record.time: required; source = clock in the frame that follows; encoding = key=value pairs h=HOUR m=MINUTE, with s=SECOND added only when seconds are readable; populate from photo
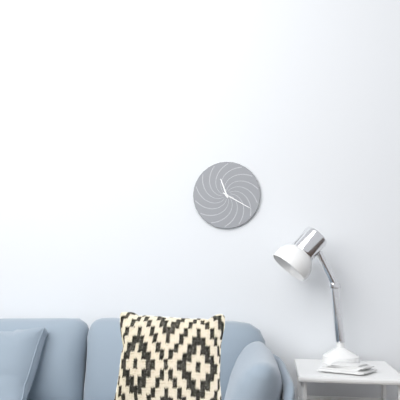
h=11 m=20
